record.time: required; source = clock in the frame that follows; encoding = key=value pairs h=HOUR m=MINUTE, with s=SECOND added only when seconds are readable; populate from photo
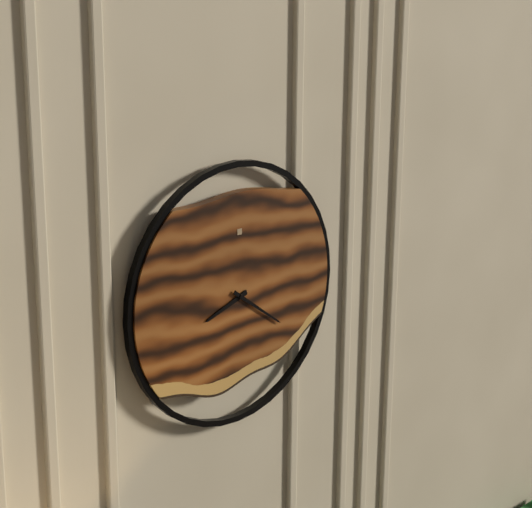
h=8 m=21
